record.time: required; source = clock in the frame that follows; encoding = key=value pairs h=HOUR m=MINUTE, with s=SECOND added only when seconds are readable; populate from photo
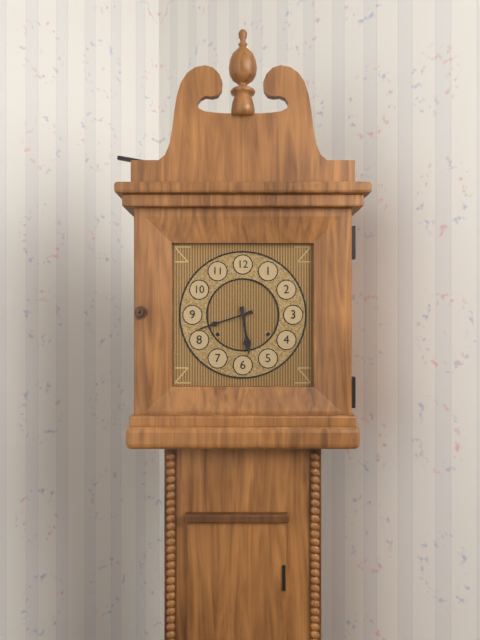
h=5 m=42
